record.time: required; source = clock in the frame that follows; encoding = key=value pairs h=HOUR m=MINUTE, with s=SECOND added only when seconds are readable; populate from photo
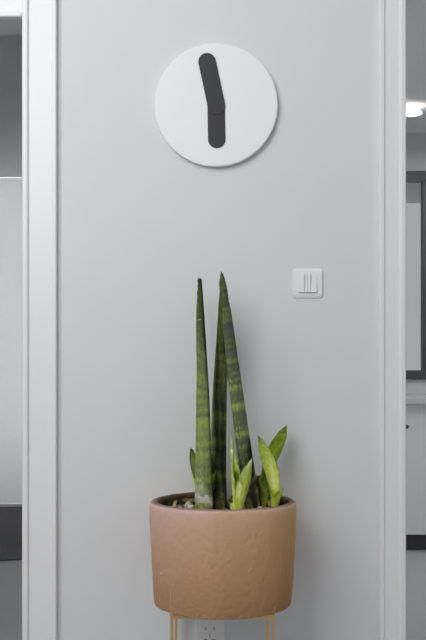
h=5 m=58
